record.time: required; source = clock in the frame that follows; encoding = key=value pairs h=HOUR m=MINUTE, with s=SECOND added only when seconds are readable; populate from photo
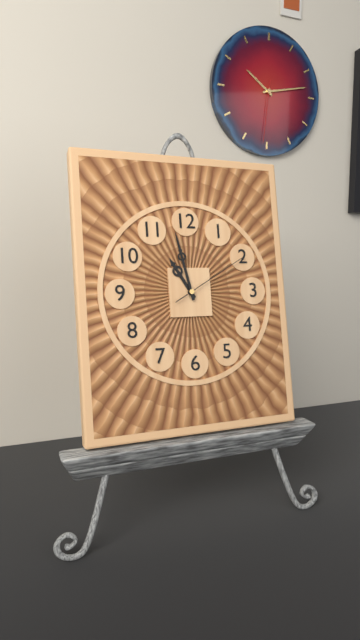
h=10 m=58 s=10
